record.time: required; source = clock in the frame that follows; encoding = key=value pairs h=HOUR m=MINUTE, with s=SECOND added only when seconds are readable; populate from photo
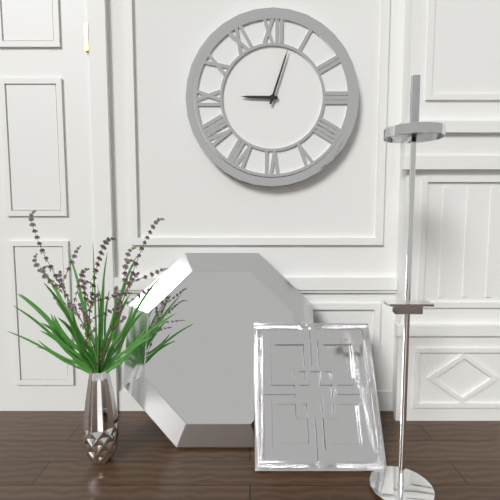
h=9 m=3
